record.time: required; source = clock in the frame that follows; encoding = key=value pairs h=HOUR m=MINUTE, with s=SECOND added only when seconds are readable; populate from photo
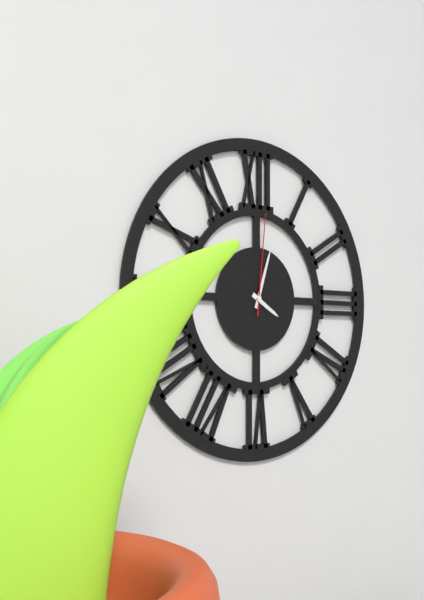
h=4 m=3 s=1
